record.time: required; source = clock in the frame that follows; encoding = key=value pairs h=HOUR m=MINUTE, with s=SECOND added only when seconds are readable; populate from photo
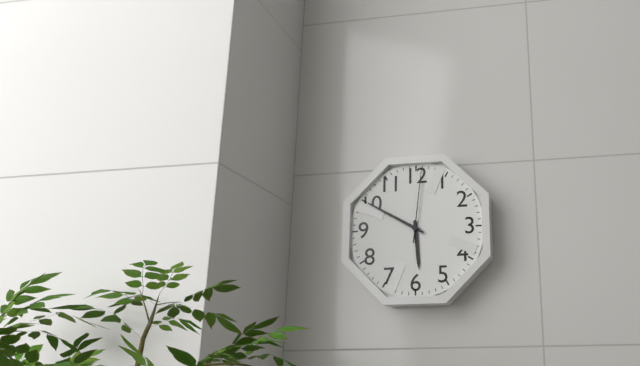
h=5 m=50 s=1
